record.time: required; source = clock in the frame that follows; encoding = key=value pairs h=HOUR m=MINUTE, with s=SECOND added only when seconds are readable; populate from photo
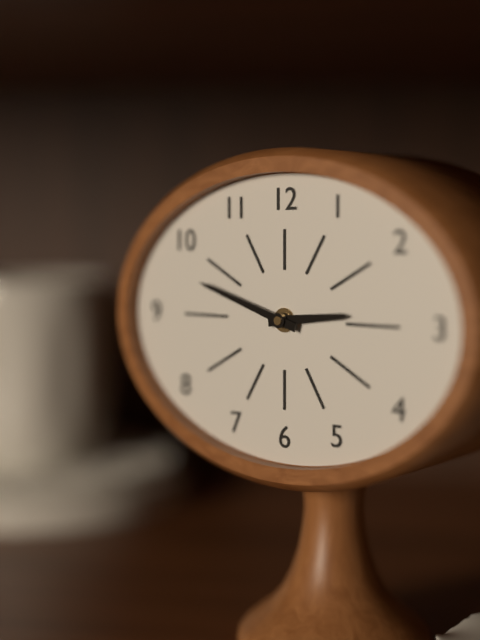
h=2 m=48
